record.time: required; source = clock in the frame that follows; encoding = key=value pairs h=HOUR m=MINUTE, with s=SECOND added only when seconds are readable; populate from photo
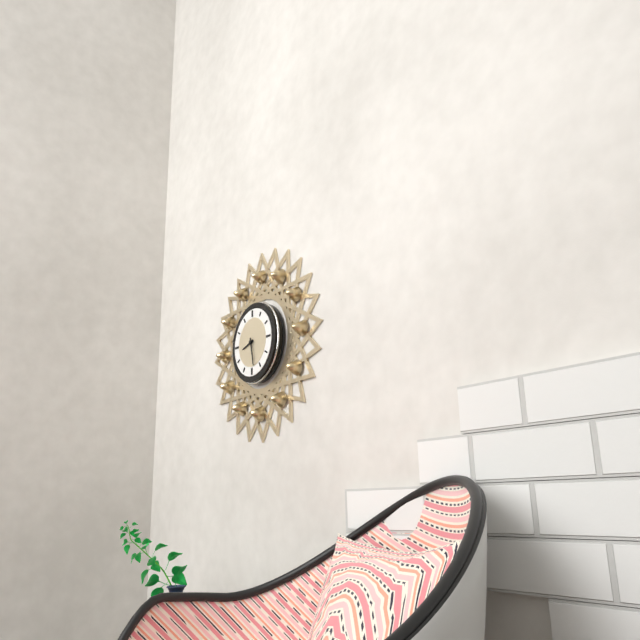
h=8 m=28
